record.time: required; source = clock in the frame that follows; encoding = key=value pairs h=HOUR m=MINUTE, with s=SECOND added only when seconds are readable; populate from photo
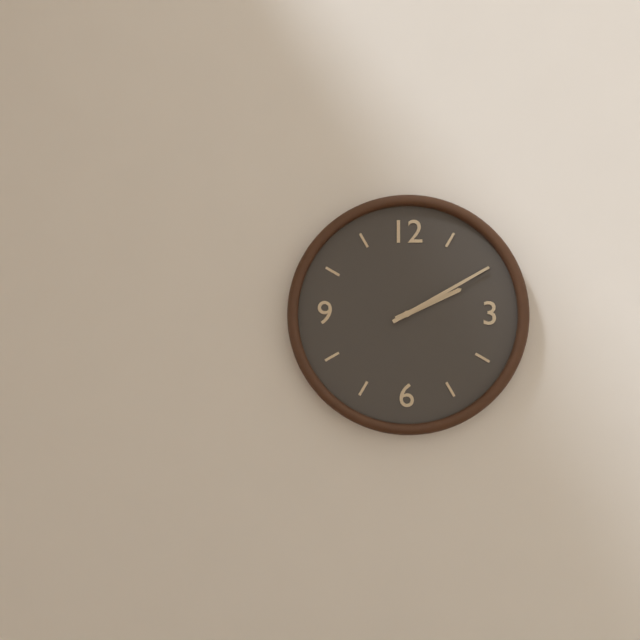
h=2 m=10
